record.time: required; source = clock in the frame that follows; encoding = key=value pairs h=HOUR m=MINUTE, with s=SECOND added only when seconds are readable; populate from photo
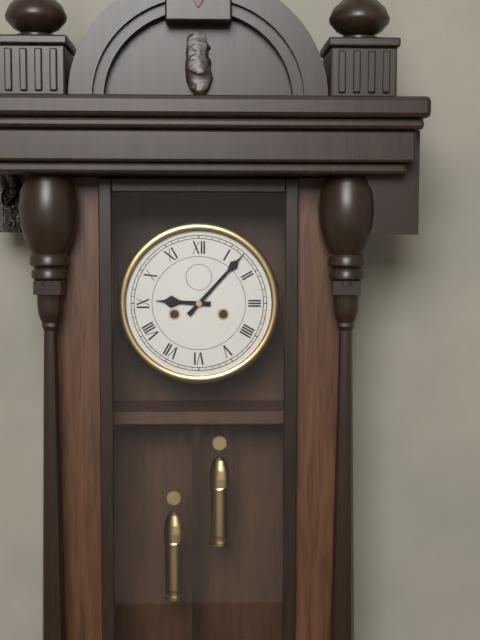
h=9 m=7
